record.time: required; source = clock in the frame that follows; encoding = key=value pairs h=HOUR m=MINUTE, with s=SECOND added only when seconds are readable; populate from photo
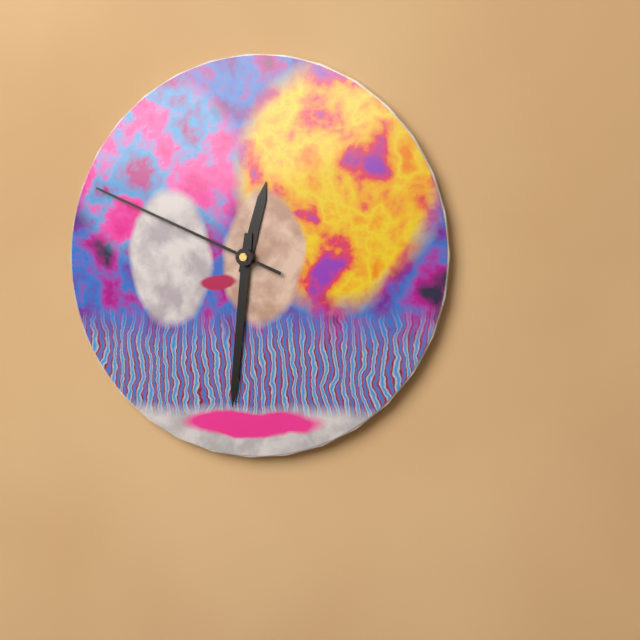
h=12 m=31 s=49
